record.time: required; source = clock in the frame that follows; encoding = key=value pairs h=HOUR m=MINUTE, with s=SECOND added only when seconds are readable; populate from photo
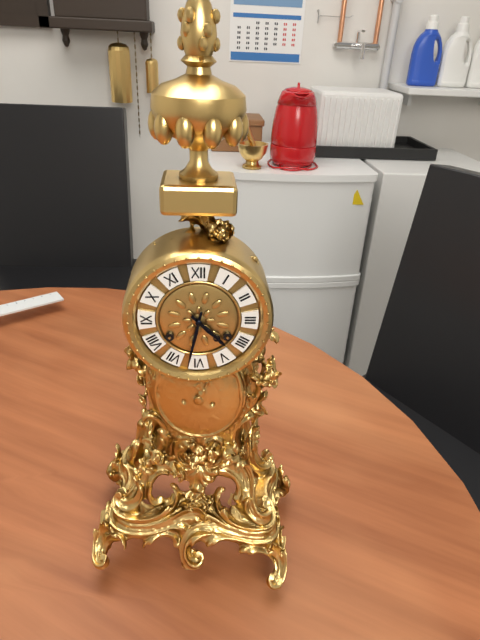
h=4 m=32
